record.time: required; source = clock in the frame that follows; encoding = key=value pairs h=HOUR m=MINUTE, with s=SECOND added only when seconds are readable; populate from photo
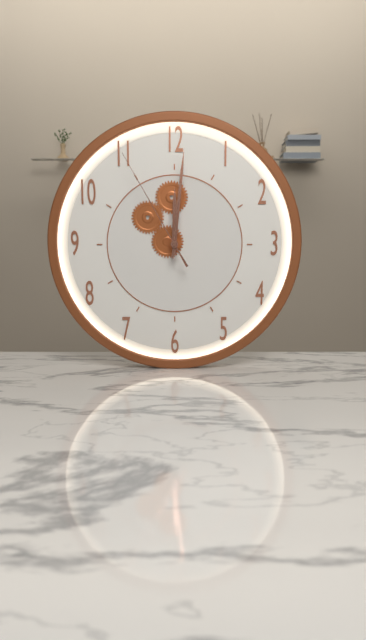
h=12 m=1 s=55
